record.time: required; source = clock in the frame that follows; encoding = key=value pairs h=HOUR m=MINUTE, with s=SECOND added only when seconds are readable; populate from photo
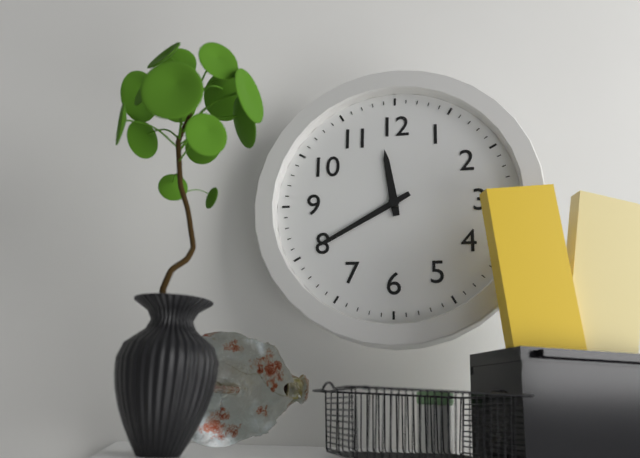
h=11 m=40
